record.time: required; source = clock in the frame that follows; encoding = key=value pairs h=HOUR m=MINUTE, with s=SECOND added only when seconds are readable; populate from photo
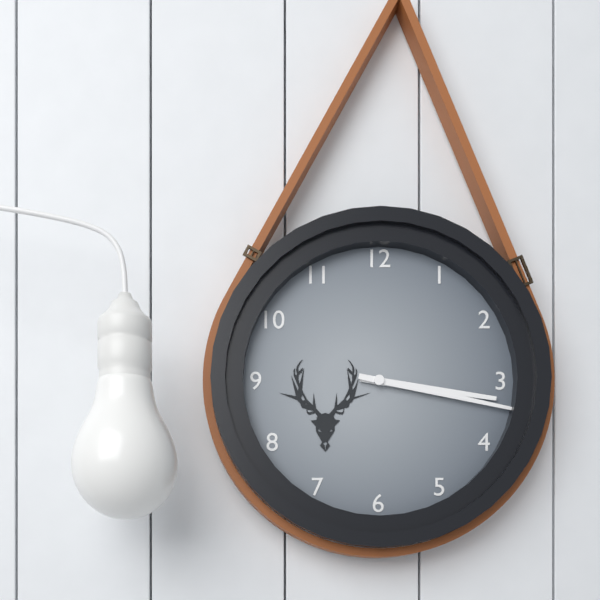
h=3 m=17
